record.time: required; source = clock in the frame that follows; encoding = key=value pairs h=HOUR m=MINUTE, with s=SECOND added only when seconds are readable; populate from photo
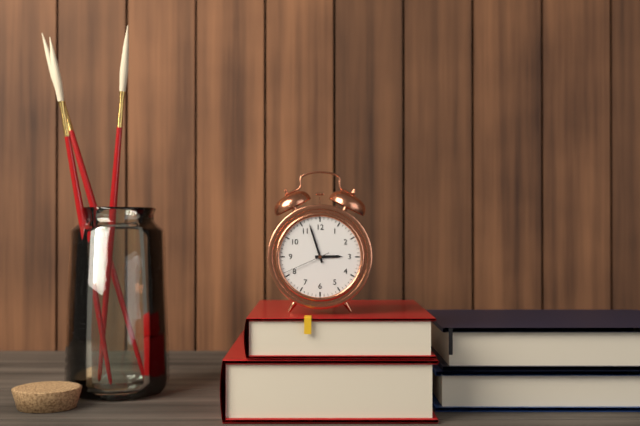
h=2 m=57
